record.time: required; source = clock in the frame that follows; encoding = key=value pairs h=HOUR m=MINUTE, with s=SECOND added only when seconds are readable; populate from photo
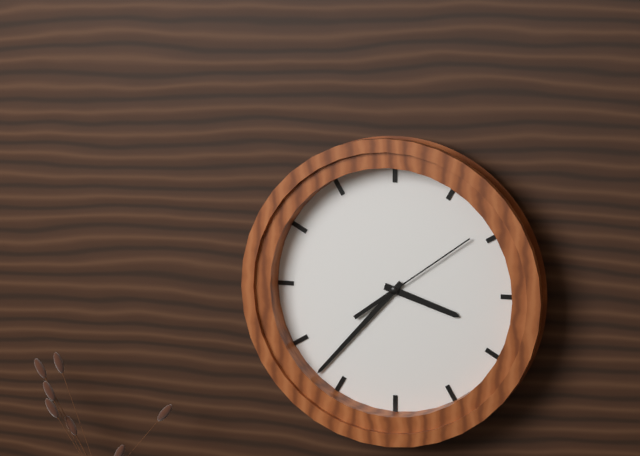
h=3 m=37 s=9
